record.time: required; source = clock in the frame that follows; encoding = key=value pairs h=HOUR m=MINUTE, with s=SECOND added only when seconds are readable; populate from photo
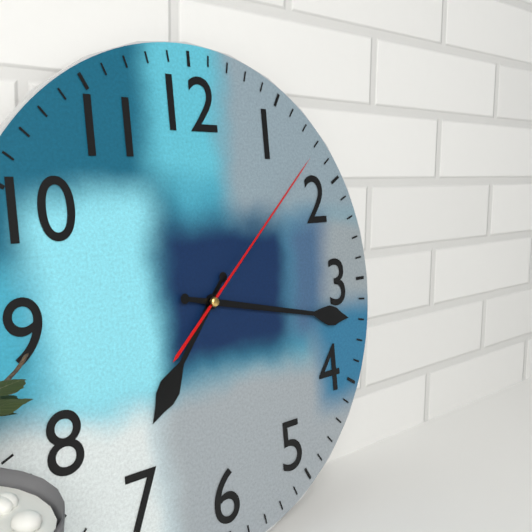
h=7 m=17 s=8
